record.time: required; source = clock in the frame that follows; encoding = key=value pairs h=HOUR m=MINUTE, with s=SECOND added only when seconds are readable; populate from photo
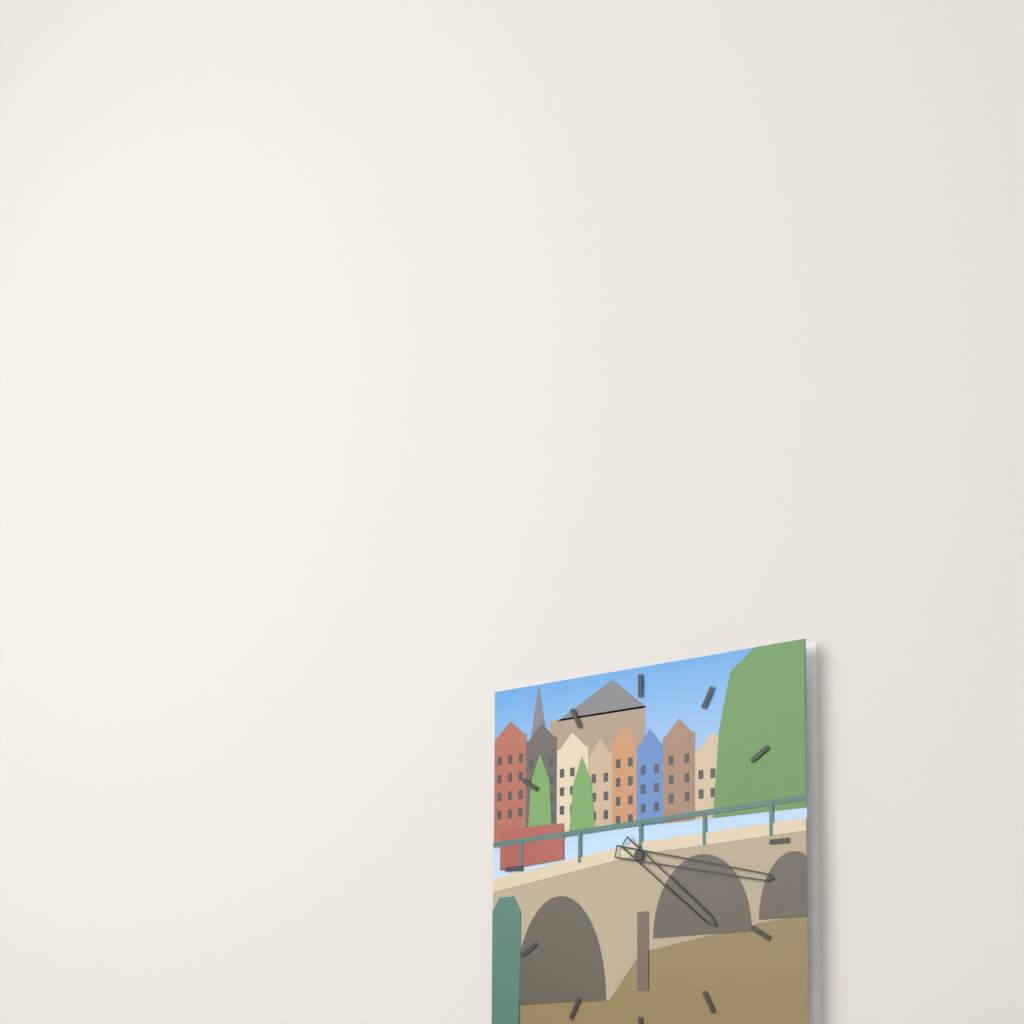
h=4 m=17
